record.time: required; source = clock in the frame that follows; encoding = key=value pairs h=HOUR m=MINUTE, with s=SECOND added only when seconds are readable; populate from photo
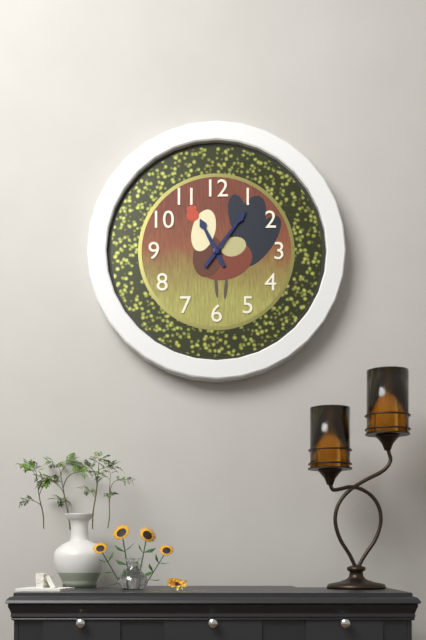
h=11 m=6
